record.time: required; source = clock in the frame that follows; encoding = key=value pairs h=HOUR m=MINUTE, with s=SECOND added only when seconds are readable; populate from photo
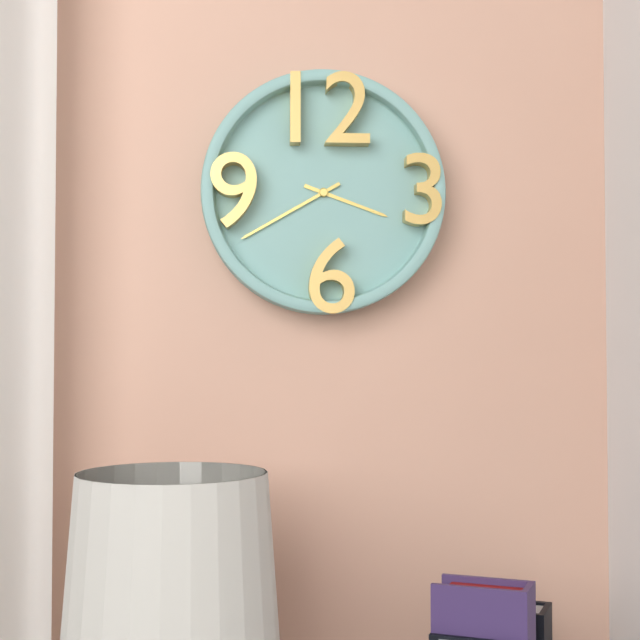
h=3 m=40
